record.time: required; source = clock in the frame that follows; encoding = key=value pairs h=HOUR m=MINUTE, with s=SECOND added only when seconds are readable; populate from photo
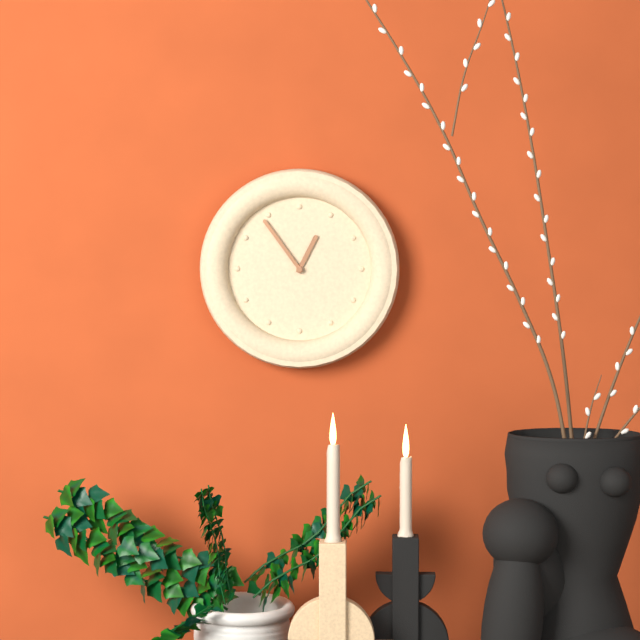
h=12 m=54
